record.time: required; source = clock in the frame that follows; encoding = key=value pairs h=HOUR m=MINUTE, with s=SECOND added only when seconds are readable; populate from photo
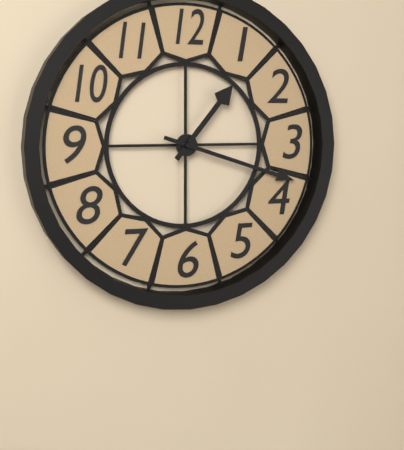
h=1 m=18
